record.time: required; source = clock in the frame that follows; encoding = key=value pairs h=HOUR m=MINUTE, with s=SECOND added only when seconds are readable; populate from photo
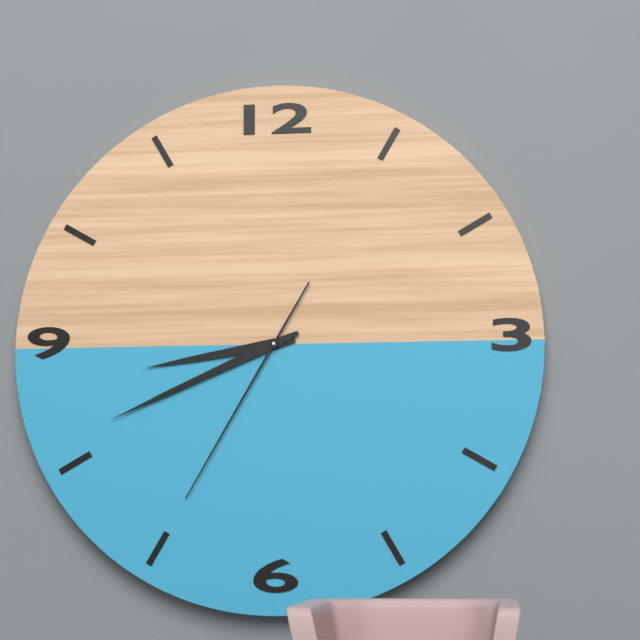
h=8 m=41 s=35
